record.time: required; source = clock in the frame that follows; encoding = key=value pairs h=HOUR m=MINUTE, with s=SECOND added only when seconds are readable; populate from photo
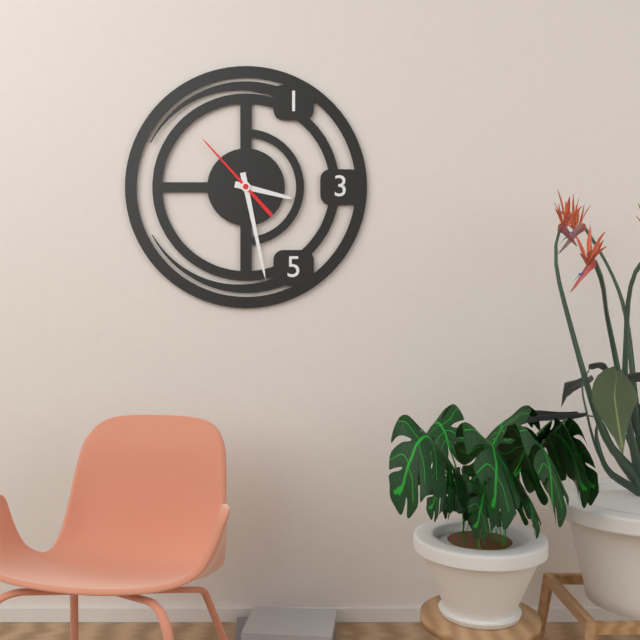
h=3 m=28 s=53
